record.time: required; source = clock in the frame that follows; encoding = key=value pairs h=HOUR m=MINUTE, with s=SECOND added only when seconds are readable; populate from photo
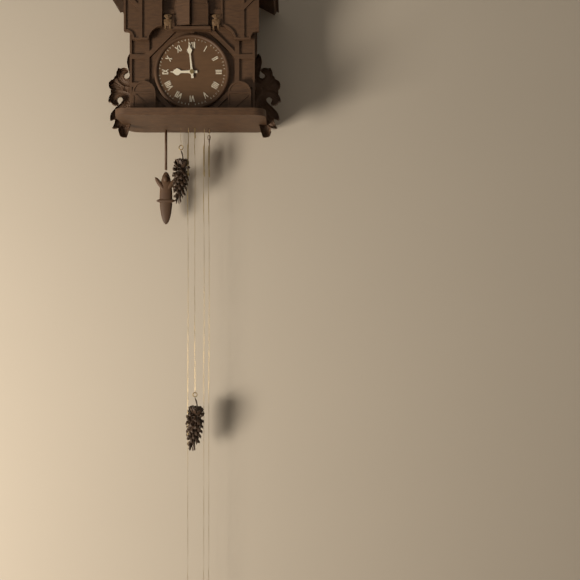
h=8 m=59
